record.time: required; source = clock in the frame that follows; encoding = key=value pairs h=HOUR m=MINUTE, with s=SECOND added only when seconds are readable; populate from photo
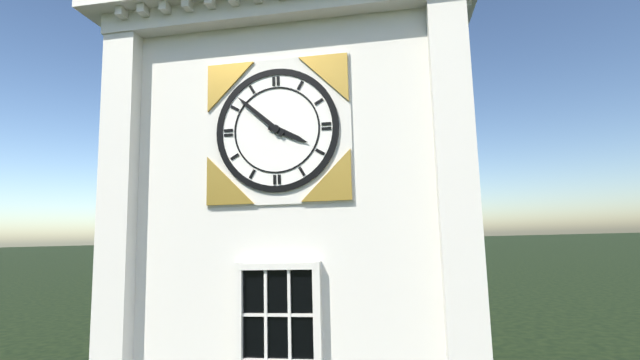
h=3 m=52
